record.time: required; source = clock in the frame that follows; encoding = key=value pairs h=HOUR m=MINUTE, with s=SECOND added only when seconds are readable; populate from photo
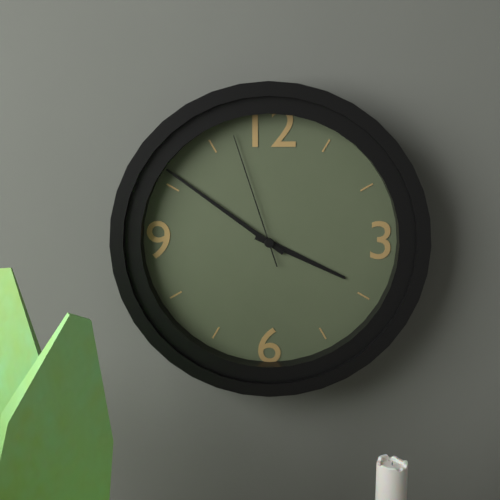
h=3 m=51 s=57
